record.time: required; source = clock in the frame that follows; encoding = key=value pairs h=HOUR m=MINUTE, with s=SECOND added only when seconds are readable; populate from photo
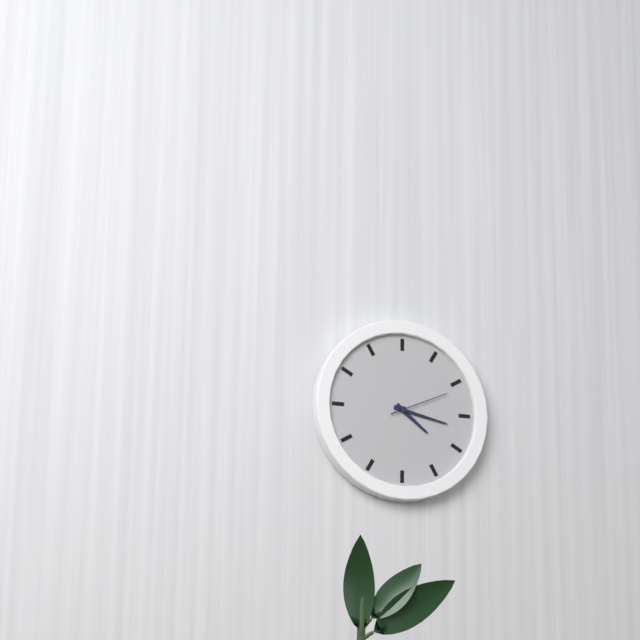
h=4 m=17 s=11
